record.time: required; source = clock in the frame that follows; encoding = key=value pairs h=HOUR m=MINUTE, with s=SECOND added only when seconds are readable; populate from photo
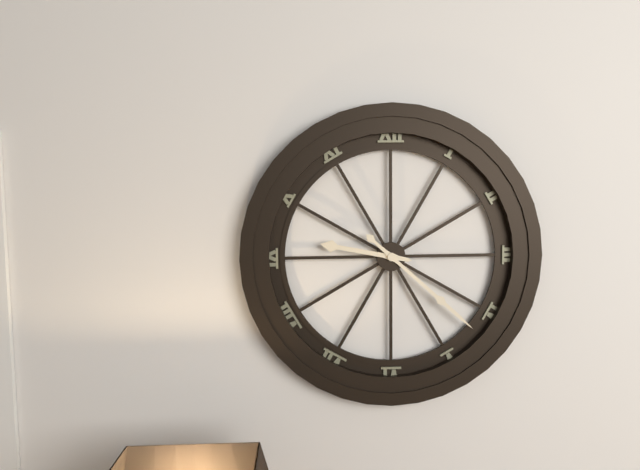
h=9 m=22
